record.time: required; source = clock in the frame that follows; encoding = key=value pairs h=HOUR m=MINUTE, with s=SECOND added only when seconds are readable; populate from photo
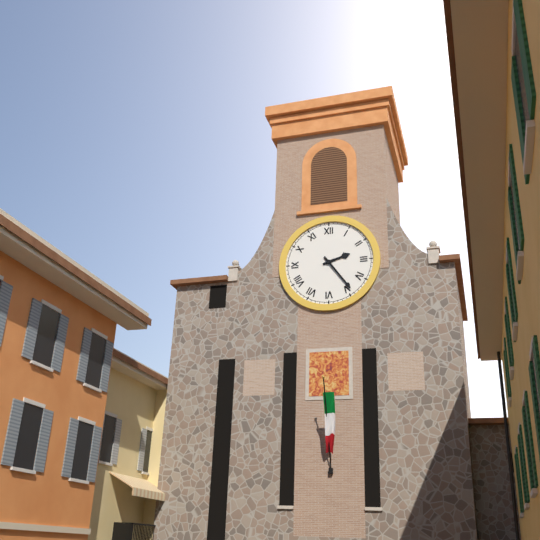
h=2 m=24
